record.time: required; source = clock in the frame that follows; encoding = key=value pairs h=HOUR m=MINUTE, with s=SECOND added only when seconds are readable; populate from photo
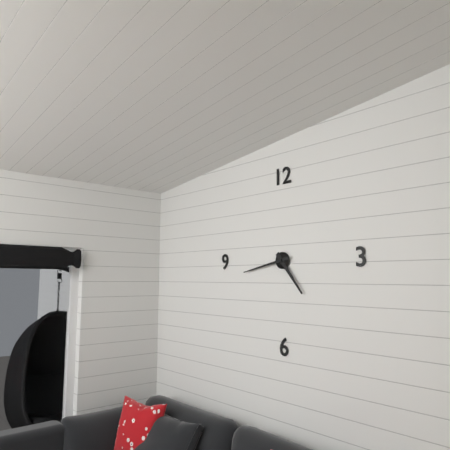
h=4 m=43
